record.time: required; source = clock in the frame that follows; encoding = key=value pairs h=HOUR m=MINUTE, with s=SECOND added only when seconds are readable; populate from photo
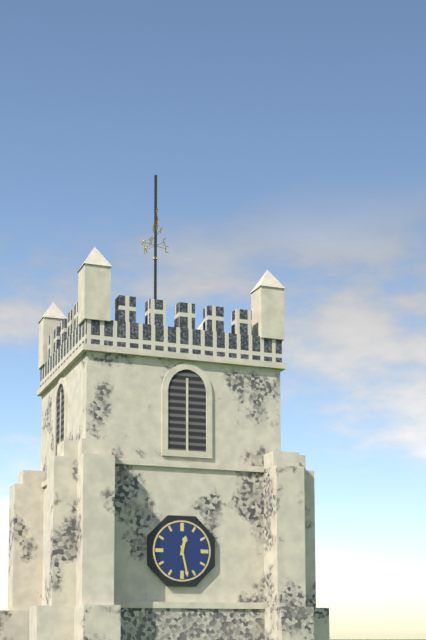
h=12 m=28
